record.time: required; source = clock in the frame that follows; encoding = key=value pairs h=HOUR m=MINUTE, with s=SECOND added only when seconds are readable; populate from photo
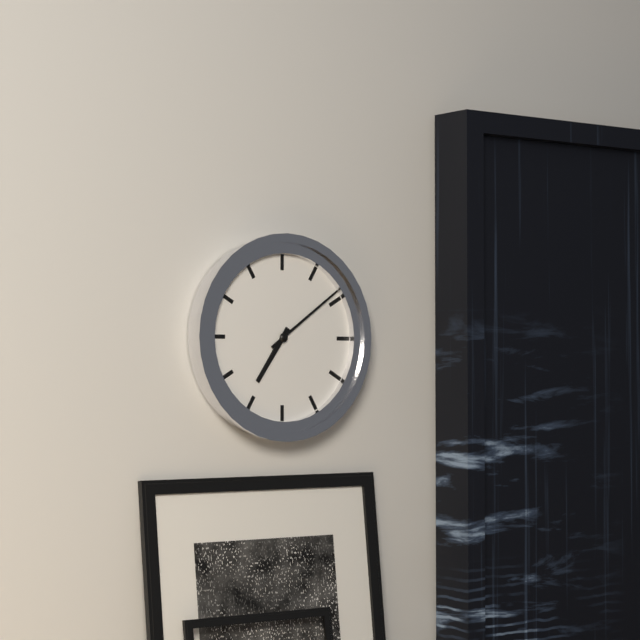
h=7 m=9
